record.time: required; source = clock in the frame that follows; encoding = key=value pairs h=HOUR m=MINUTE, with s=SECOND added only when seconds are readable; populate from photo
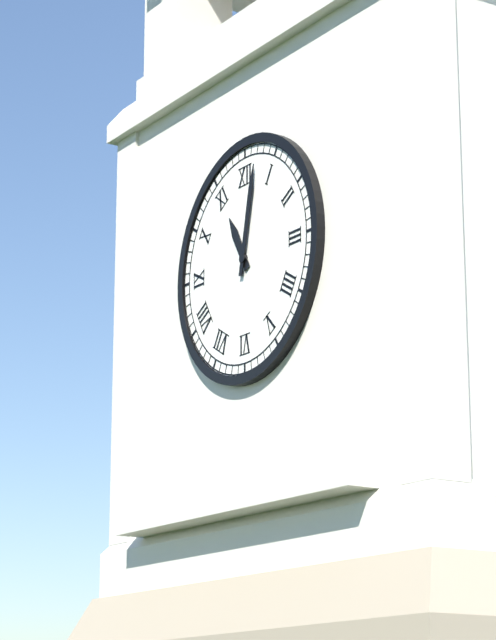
h=11 m=2
